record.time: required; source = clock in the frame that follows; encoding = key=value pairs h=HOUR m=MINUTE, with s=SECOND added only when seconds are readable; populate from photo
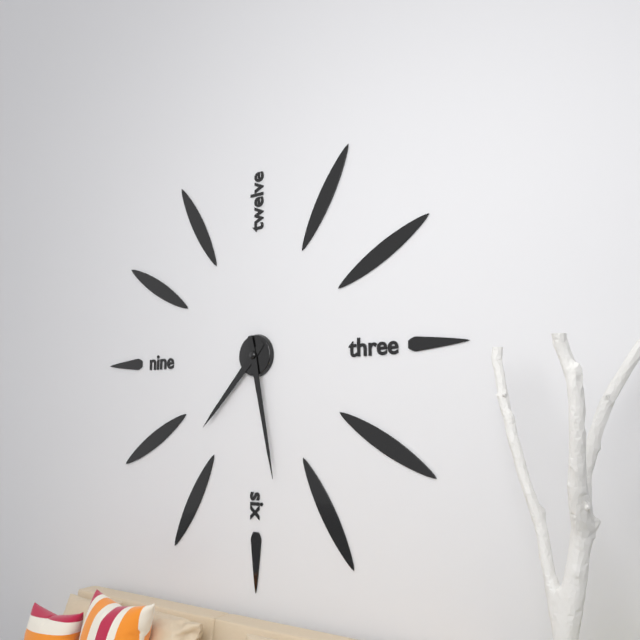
h=7 m=28
